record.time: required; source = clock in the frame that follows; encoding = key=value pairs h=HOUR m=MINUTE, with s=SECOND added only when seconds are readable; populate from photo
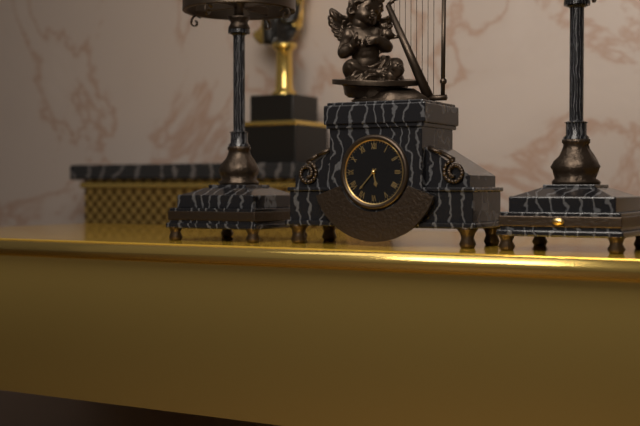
h=5 m=37
